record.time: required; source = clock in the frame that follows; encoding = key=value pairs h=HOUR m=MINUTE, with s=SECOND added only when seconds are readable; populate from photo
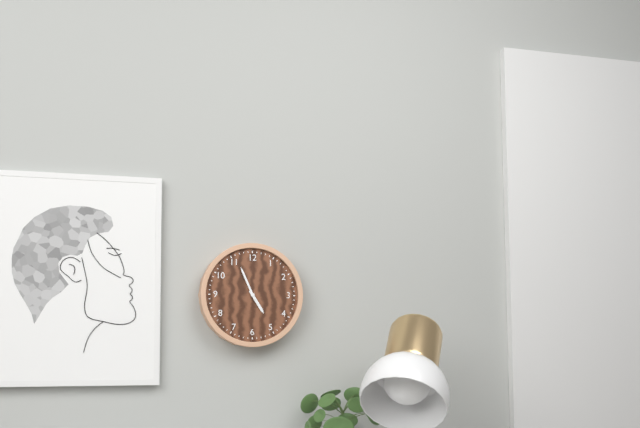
h=4 m=56
